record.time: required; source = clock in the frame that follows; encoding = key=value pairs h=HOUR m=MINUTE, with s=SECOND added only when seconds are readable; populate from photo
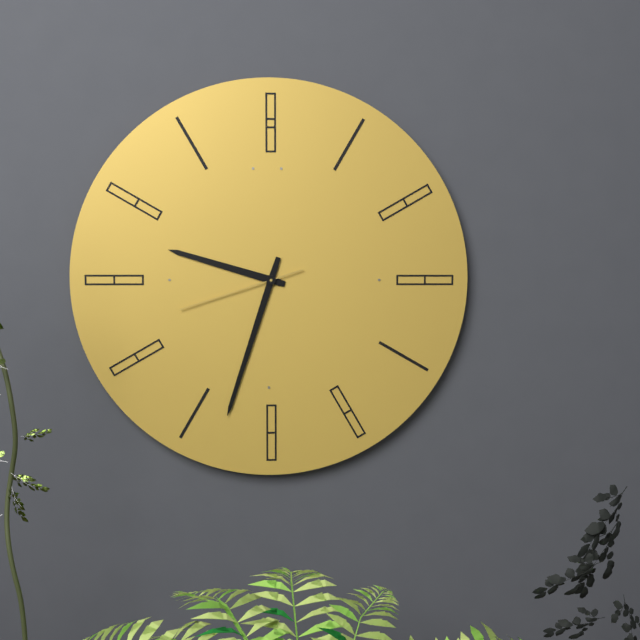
h=9 m=33 s=42
